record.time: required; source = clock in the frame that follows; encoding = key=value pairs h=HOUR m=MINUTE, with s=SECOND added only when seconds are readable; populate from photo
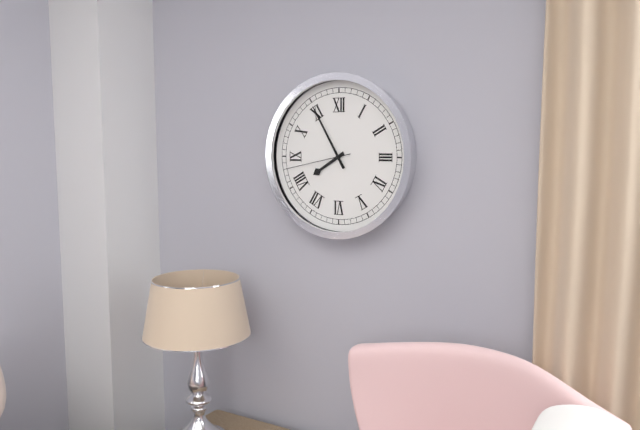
h=7 m=55 s=43
